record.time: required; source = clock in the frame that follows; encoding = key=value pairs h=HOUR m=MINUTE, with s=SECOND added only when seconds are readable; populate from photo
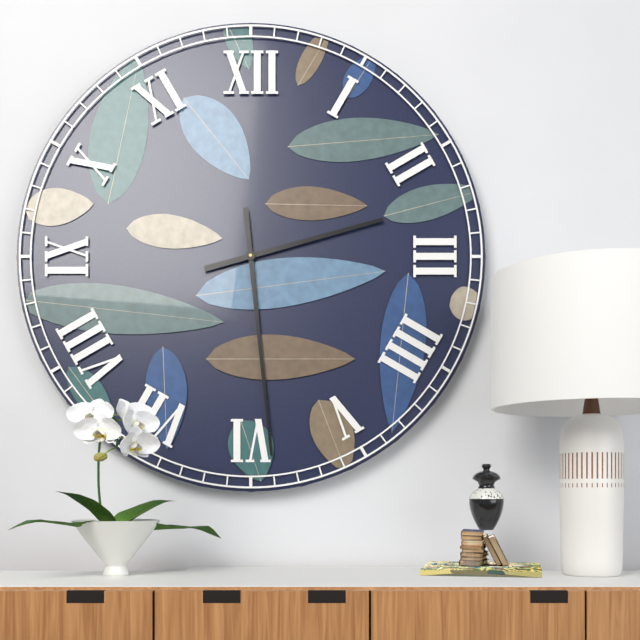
h=2 m=29
